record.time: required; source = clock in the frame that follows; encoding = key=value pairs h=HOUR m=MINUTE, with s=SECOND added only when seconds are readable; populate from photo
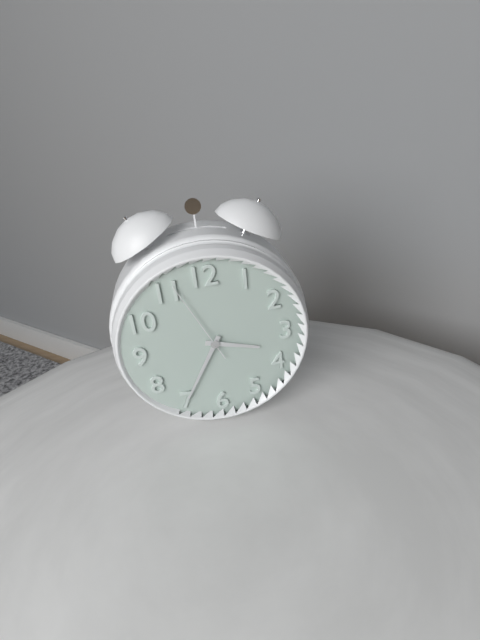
h=3 m=35 s=56
